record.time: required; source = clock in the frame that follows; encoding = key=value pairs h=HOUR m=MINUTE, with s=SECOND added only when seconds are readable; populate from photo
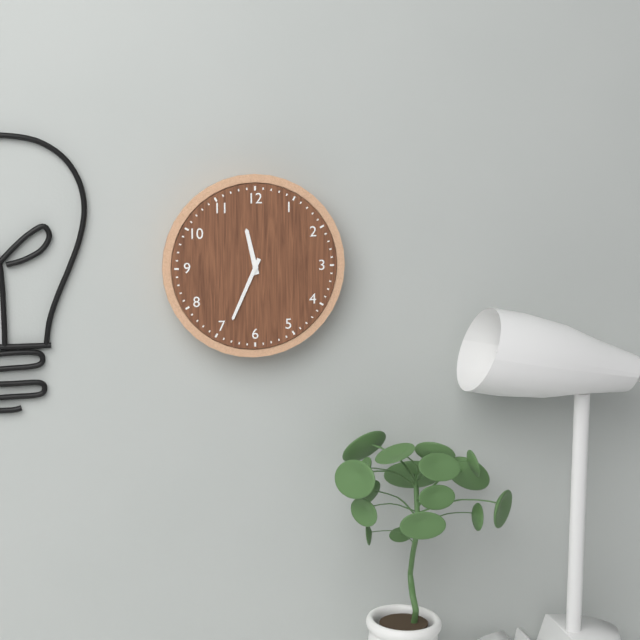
h=11 m=34
